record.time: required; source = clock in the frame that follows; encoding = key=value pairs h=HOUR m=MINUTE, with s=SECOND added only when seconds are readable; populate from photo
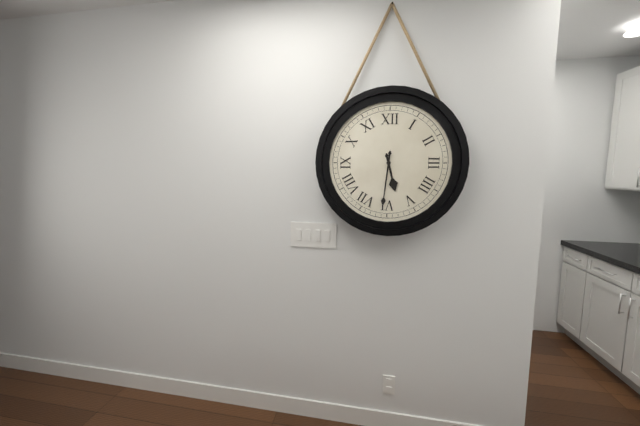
h=5 m=31
